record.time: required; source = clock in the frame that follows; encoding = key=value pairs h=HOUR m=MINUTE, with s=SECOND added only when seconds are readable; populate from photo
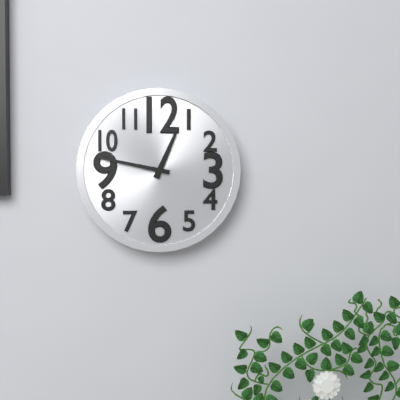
h=12 m=47
